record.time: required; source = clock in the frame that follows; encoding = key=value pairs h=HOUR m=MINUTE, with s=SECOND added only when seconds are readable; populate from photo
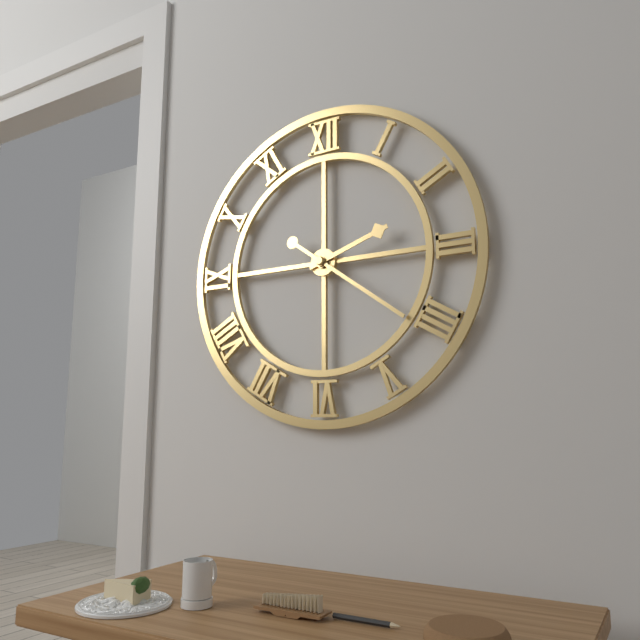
h=2 m=21
